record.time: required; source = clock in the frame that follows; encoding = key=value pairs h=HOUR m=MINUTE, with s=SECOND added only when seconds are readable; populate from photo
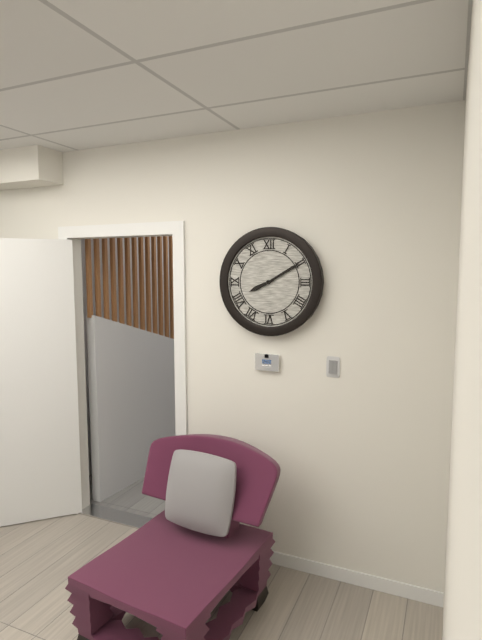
h=8 m=10
